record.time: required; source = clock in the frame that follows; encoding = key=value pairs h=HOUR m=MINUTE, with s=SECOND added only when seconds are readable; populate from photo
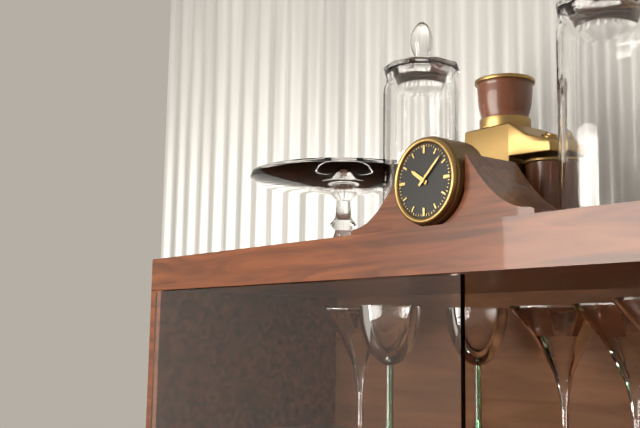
h=10 m=8
